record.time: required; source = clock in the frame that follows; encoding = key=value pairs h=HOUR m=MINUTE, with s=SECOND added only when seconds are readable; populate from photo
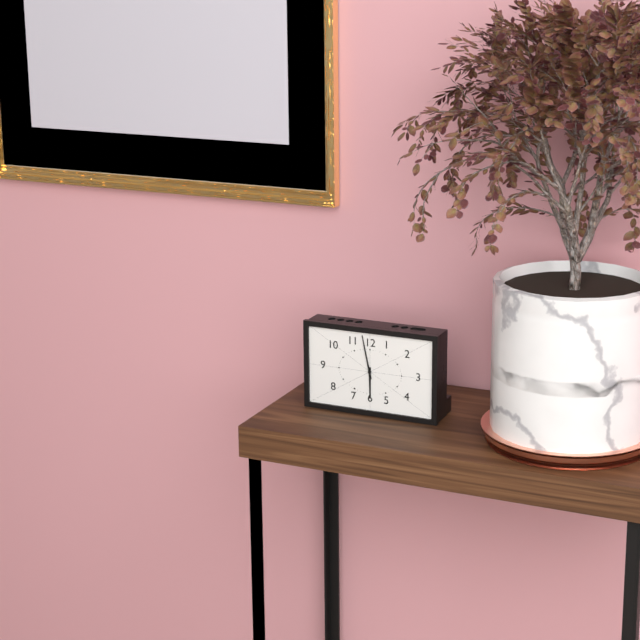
h=5 m=58
